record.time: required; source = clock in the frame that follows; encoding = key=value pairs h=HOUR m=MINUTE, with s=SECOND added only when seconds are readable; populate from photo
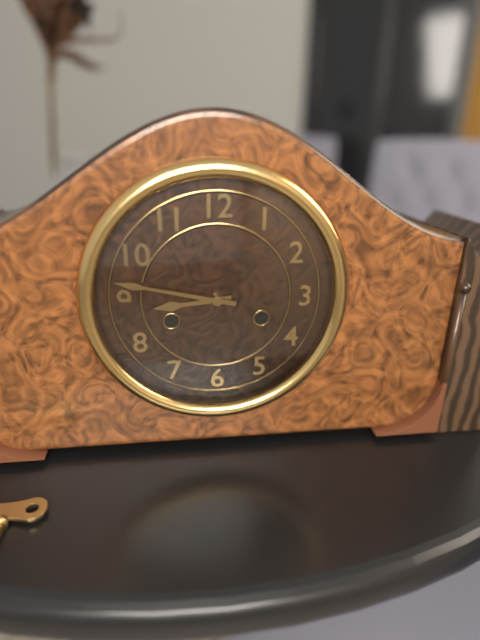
h=8 m=47
